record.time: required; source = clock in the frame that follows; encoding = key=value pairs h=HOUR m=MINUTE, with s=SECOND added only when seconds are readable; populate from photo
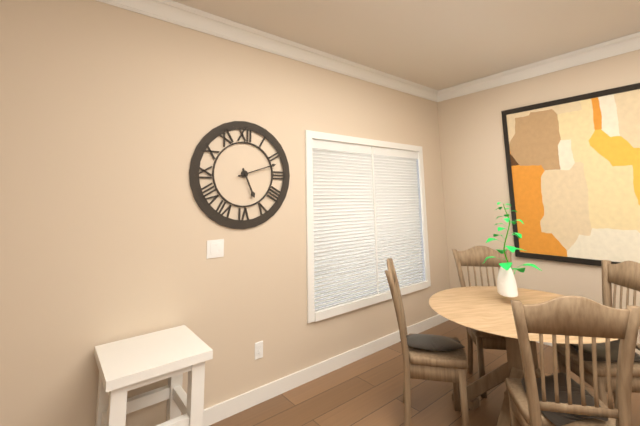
h=5 m=12
